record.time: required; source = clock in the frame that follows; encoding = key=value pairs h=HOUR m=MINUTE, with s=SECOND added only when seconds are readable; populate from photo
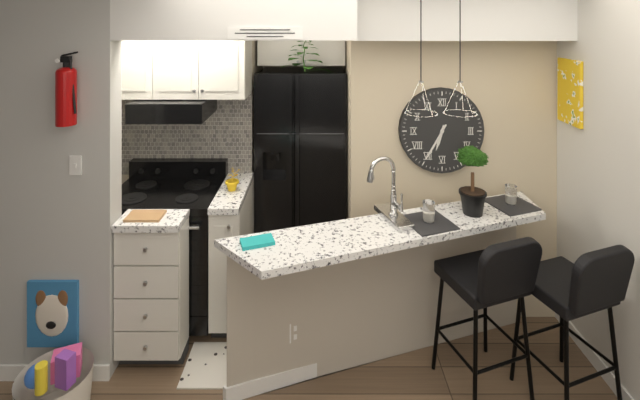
h=6 m=35
